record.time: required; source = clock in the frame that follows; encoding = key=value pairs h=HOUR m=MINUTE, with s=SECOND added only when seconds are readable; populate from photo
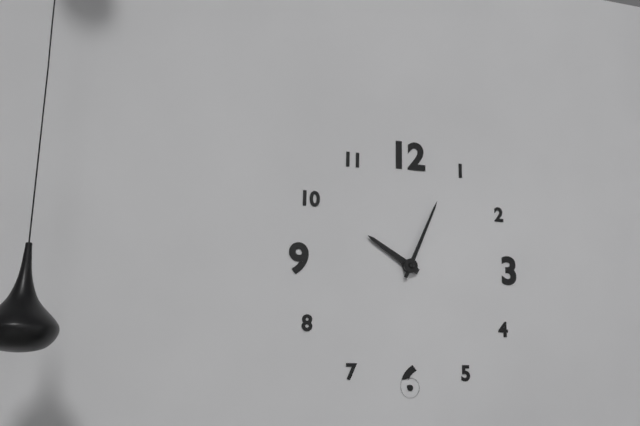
h=10 m=4
